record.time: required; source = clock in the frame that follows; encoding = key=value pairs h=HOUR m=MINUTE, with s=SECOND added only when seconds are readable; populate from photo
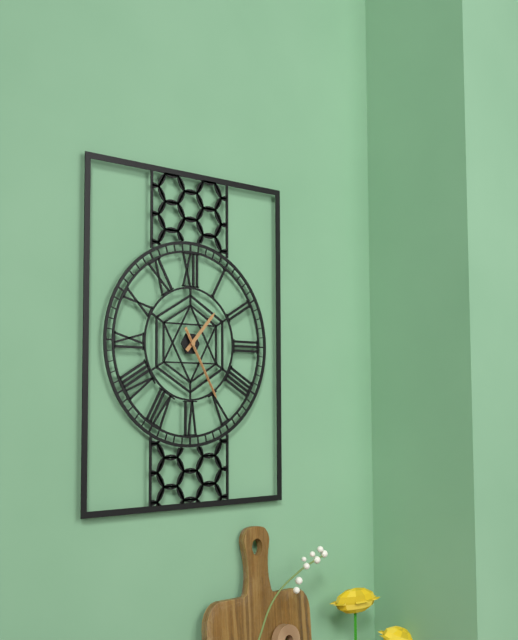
h=1 m=25 s=25
